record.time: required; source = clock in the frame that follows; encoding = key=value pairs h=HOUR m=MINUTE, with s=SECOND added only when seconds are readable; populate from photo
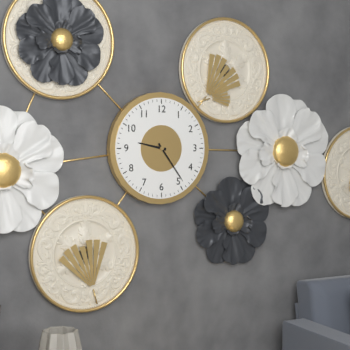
h=9 m=24
